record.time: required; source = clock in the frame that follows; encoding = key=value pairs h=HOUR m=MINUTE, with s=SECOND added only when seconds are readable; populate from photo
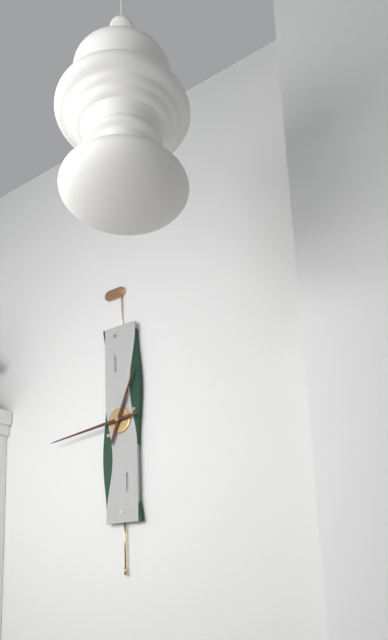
h=12 m=44
